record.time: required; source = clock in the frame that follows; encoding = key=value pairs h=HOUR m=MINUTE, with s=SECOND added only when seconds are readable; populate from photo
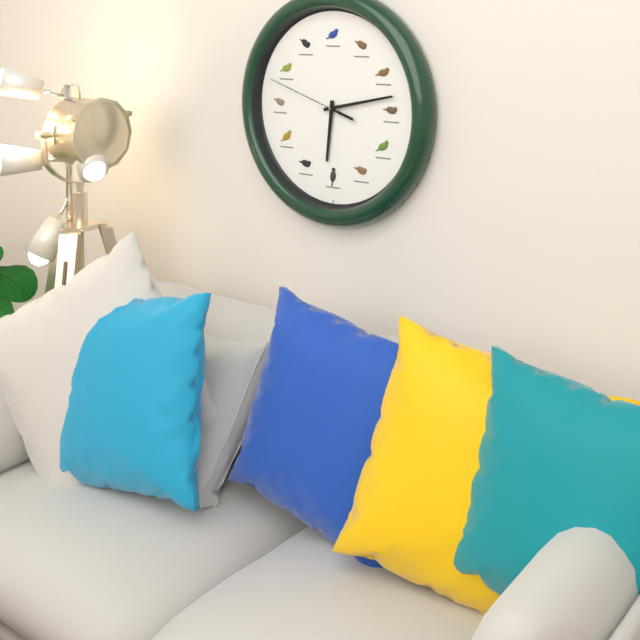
h=6 m=13 s=48
